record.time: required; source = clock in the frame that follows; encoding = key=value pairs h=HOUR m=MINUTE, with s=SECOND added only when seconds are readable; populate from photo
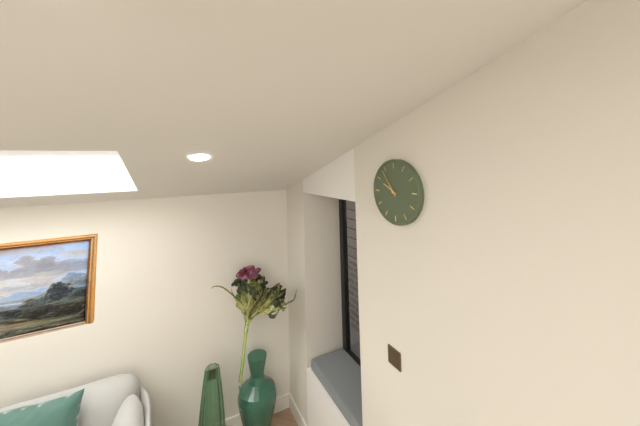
h=9 m=54
